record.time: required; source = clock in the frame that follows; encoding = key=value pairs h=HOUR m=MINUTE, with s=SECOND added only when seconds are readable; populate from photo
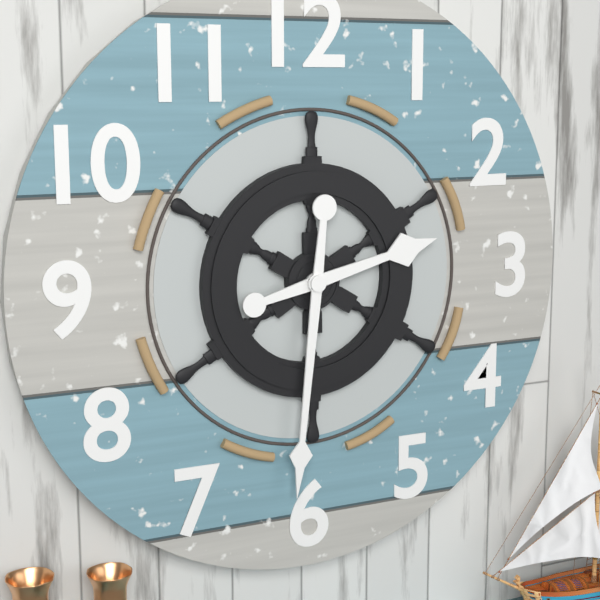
h=2 m=31
